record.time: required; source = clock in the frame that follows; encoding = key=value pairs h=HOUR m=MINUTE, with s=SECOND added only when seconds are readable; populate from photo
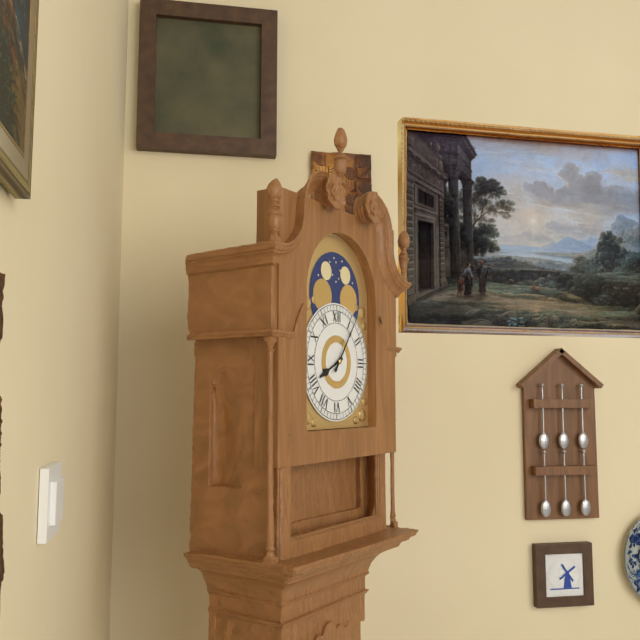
h=8 m=6
